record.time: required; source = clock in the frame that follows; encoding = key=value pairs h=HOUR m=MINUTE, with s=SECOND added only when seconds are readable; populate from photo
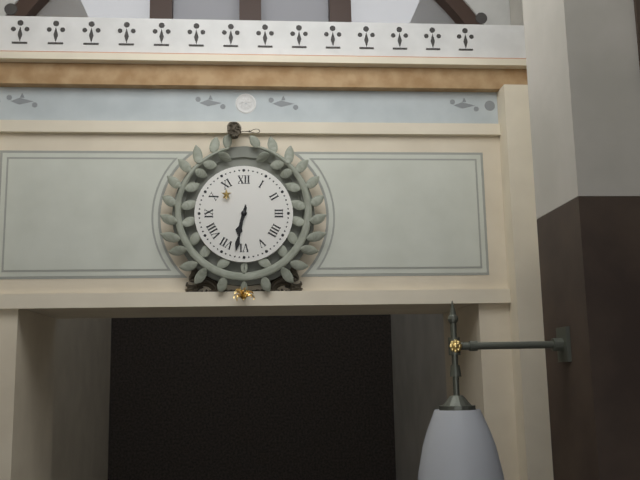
h=6 m=32
